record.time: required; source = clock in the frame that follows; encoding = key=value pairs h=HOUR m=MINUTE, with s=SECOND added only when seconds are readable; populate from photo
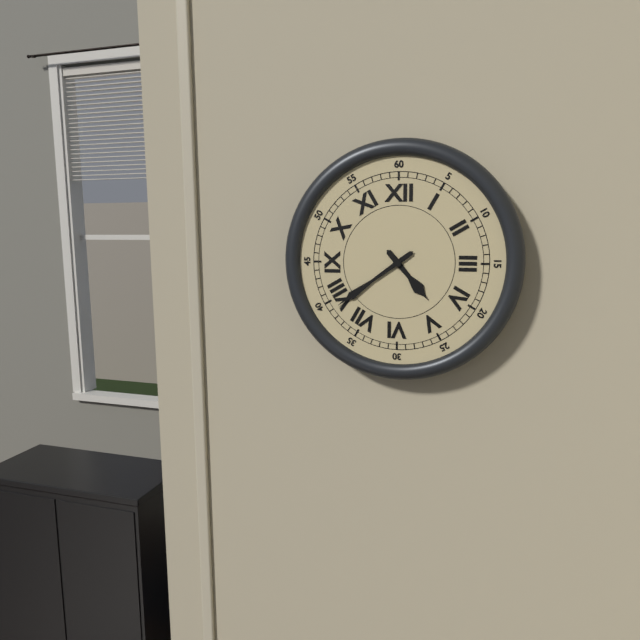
h=4 m=39
